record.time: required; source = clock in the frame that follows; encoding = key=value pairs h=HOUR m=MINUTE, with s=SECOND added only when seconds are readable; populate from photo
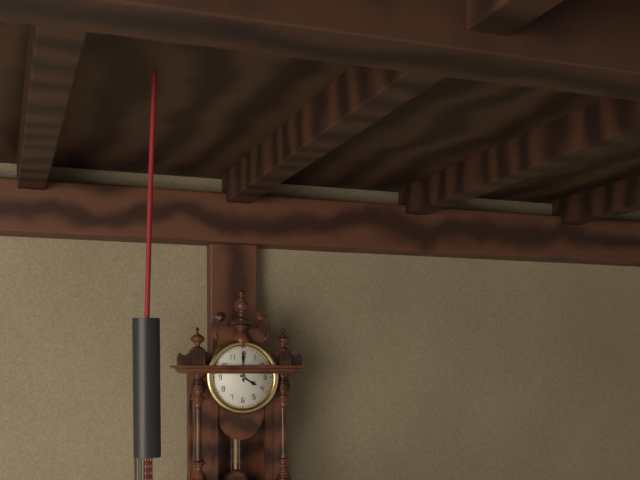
h=4 m=0
